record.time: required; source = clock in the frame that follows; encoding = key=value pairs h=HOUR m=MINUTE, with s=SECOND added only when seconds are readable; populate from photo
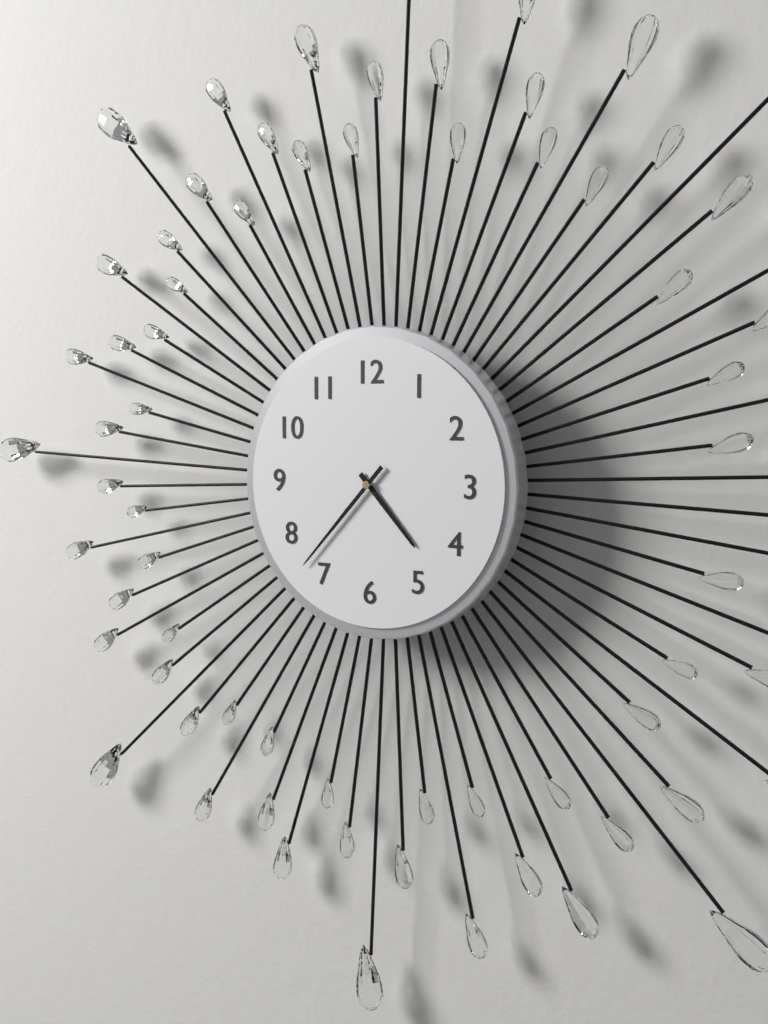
h=4 m=37
